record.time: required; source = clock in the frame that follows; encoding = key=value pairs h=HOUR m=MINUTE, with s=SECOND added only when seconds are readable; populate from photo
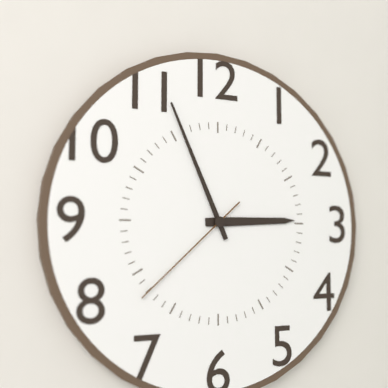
h=2 m=56 s=38
